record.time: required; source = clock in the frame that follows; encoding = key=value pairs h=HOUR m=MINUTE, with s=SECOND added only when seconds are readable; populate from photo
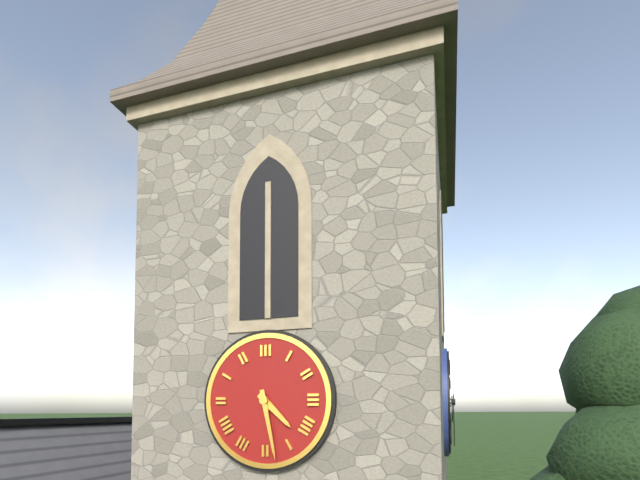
h=4 m=28
